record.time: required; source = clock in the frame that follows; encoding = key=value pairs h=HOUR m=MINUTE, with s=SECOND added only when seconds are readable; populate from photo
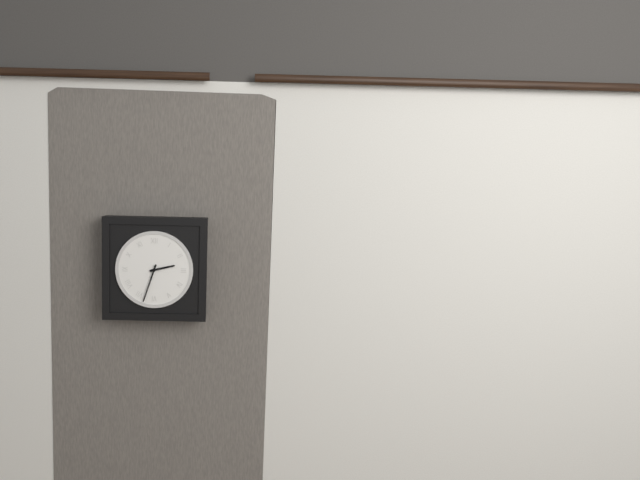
h=2 m=33
